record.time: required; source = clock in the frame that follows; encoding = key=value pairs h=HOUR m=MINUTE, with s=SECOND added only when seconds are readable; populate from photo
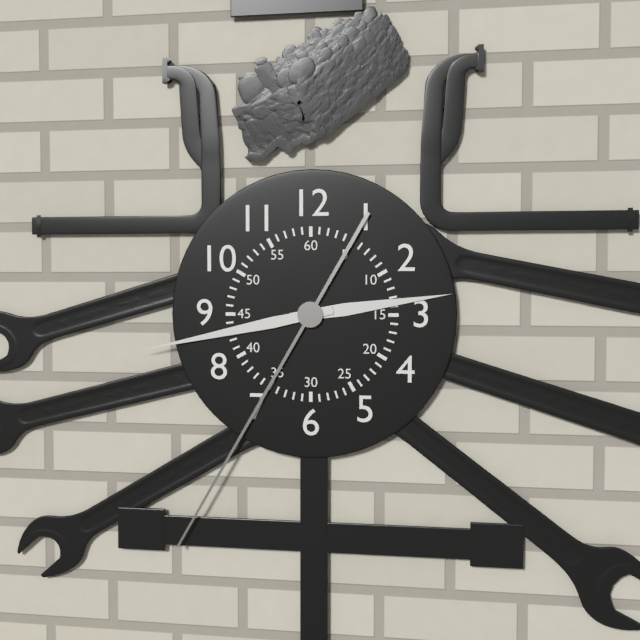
h=2 m=43 s=35
